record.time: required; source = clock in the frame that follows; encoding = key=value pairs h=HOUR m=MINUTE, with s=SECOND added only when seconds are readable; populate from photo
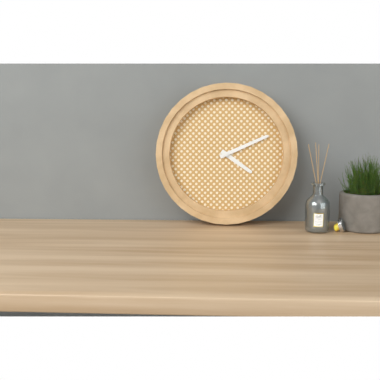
h=4 m=11
